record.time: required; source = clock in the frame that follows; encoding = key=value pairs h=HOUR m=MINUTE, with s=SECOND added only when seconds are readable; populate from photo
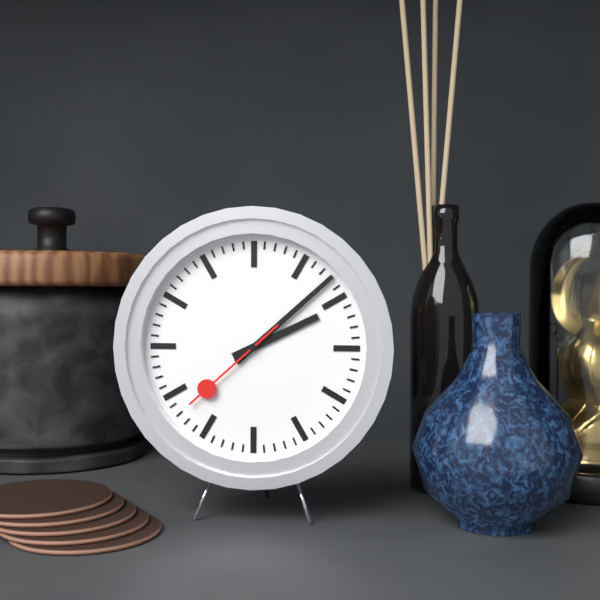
h=2 m=8 s=38
